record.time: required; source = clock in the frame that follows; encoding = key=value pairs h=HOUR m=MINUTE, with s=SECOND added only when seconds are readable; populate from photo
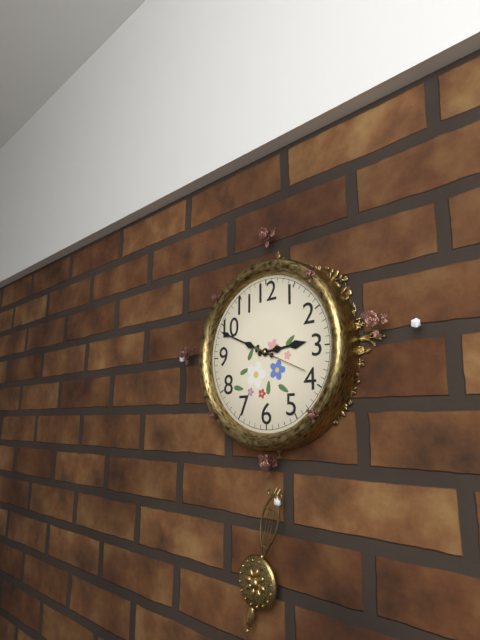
h=2 m=49 s=19
